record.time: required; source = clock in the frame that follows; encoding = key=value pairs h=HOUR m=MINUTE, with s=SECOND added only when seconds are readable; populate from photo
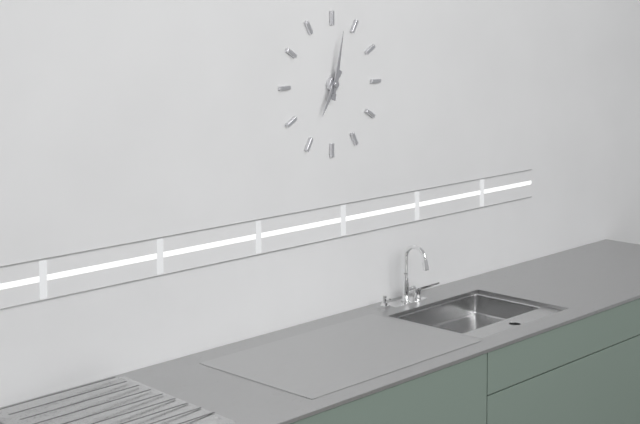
h=7 m=2
